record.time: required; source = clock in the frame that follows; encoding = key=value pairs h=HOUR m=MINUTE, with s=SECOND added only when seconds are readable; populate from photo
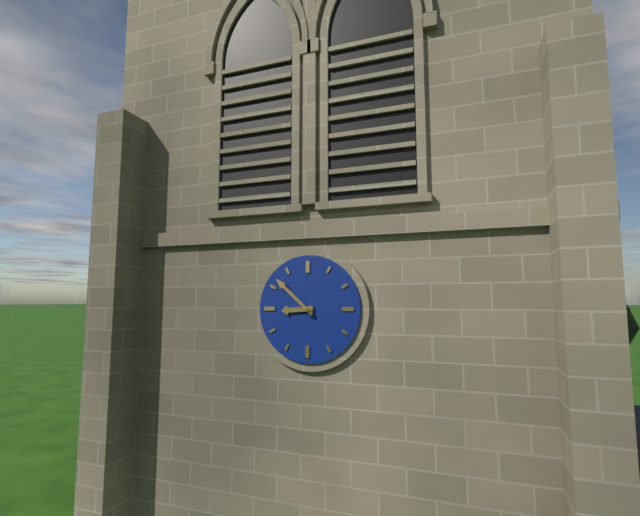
h=8 m=52
